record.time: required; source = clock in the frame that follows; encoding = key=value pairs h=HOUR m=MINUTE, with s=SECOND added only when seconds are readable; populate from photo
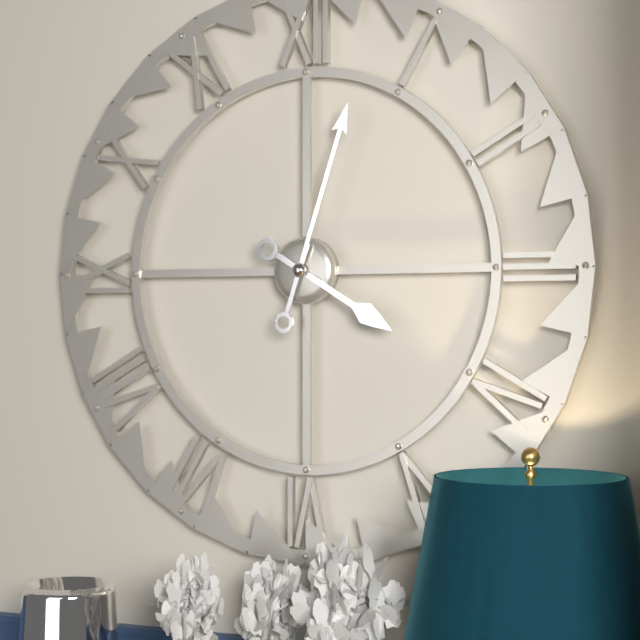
h=4 m=3
